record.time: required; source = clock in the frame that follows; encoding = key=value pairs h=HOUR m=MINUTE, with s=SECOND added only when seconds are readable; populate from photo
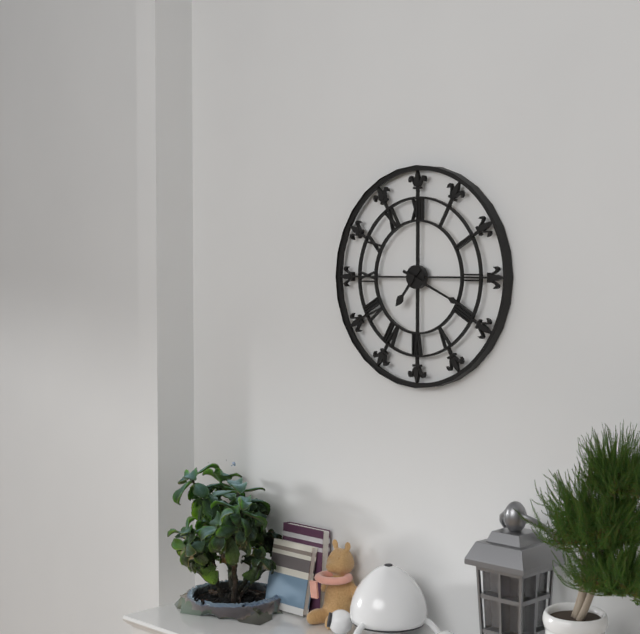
h=7 m=19
